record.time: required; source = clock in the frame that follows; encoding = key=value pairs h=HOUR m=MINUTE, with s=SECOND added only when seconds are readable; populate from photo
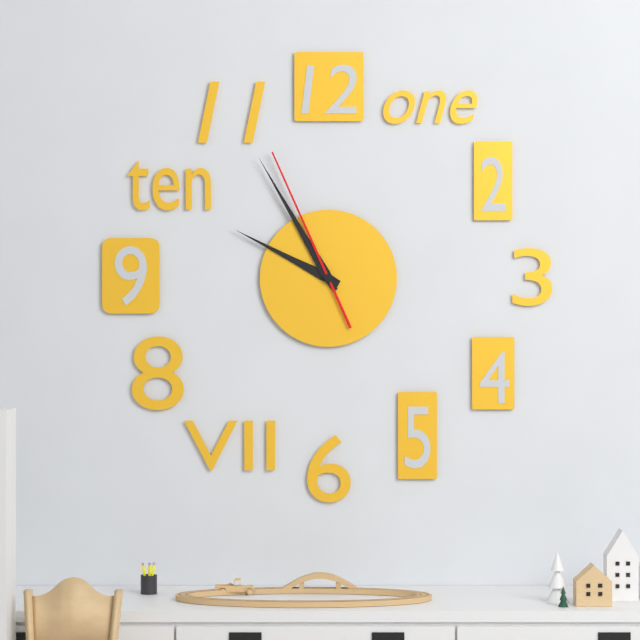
h=9 m=55 s=56
